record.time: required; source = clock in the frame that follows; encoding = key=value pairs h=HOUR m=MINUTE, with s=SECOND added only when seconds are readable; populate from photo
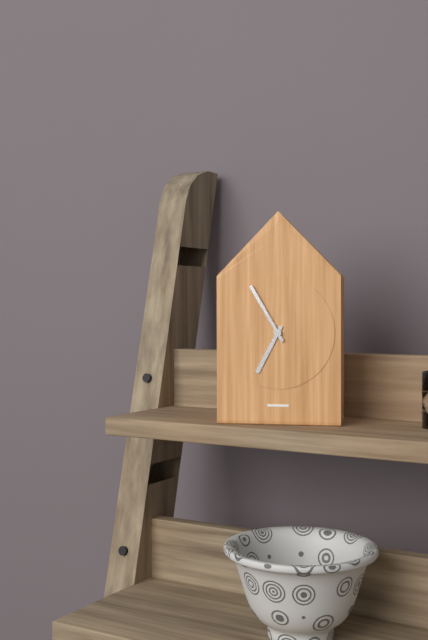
h=6 m=55
